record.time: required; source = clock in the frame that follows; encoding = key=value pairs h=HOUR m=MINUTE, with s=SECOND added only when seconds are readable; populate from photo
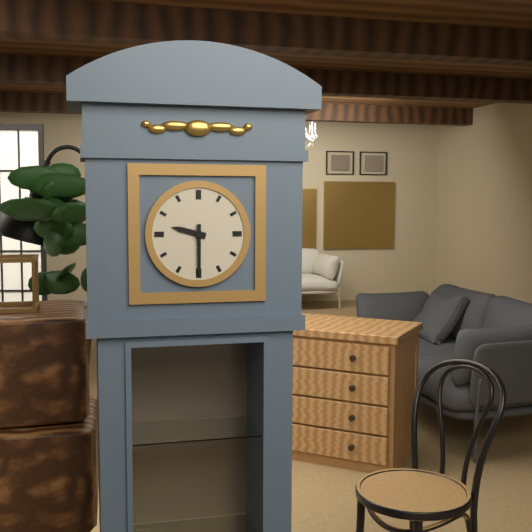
h=9 m=30
